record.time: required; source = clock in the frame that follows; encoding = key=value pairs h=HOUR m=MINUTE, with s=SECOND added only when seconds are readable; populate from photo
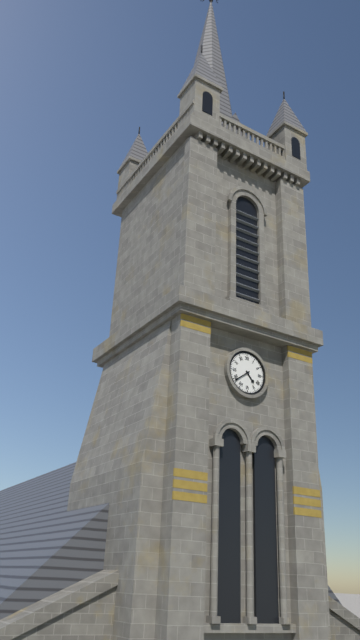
h=4 m=39
